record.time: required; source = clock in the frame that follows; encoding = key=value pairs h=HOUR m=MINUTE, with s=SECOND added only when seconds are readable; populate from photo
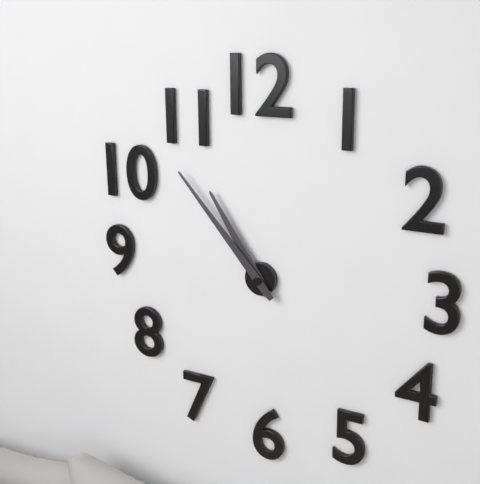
h=10 m=53
